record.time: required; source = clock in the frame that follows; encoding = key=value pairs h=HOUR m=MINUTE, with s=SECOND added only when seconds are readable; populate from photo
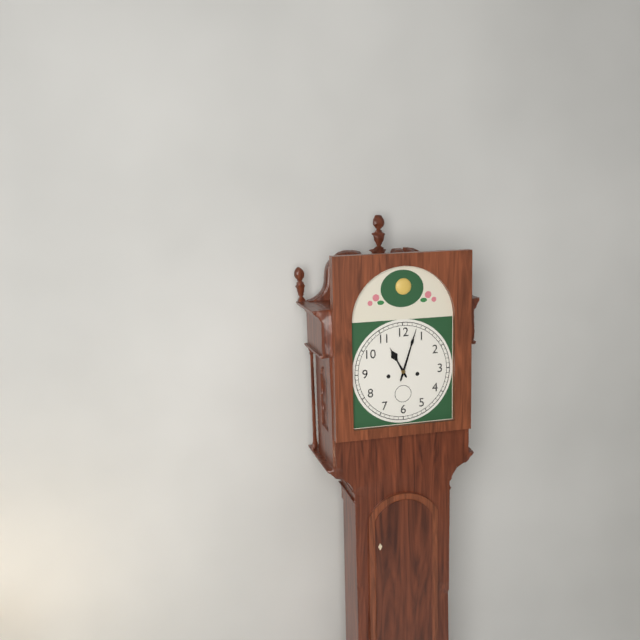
h=11 m=3
